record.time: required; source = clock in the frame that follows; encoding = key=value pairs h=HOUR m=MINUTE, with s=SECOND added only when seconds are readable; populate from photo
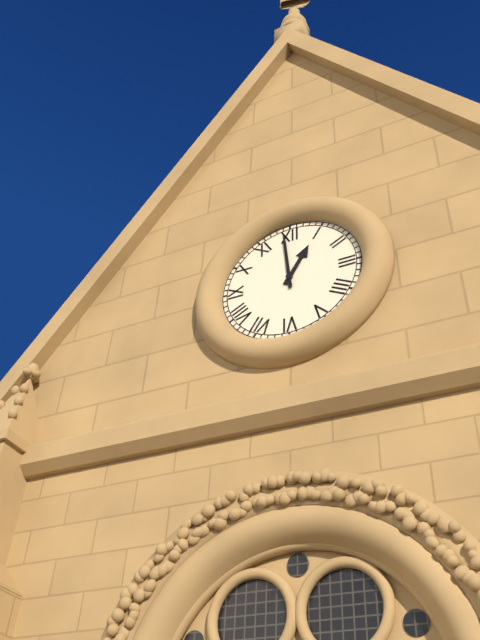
h=12 m=59
